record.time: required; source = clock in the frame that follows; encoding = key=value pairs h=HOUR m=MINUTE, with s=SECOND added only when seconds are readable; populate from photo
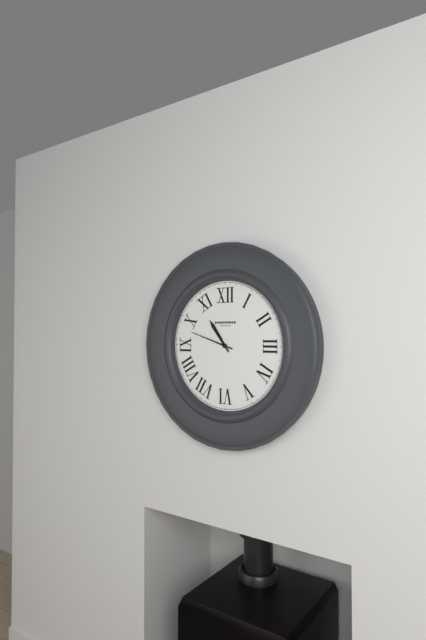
h=10 m=48
